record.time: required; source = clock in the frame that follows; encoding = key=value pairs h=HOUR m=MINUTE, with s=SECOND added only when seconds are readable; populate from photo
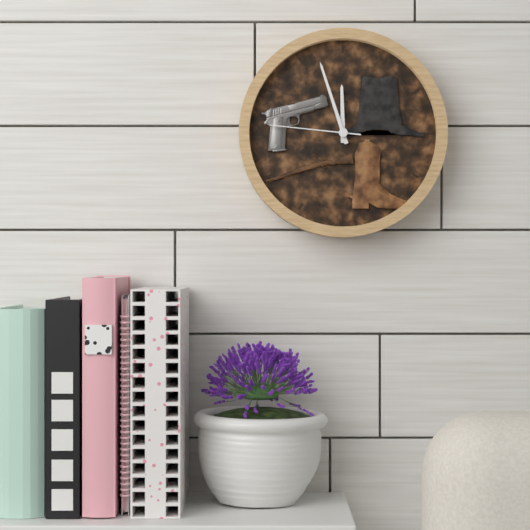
h=11 m=57 s=46
